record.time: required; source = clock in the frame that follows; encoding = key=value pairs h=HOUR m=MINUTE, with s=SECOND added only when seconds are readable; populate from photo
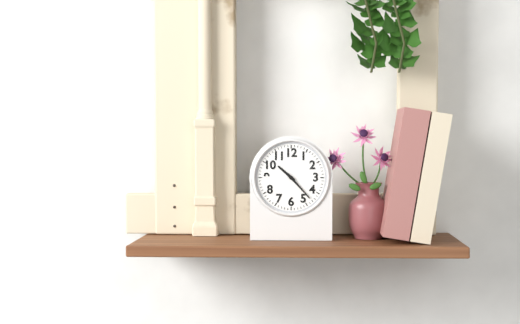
h=10 m=23
